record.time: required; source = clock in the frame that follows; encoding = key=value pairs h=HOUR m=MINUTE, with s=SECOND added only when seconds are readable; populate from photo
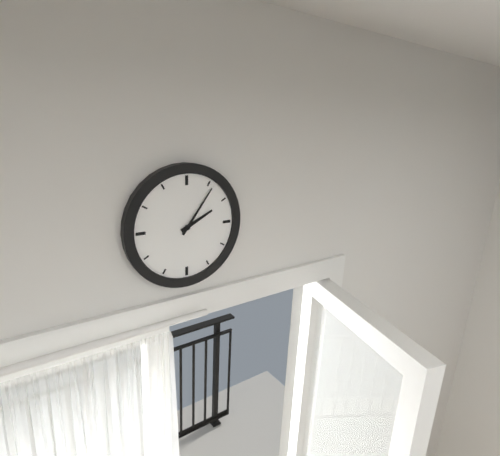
h=2 m=6
